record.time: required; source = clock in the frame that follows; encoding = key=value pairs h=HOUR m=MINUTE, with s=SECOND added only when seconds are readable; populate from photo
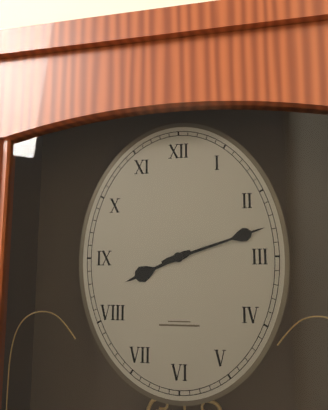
h=8 m=12
